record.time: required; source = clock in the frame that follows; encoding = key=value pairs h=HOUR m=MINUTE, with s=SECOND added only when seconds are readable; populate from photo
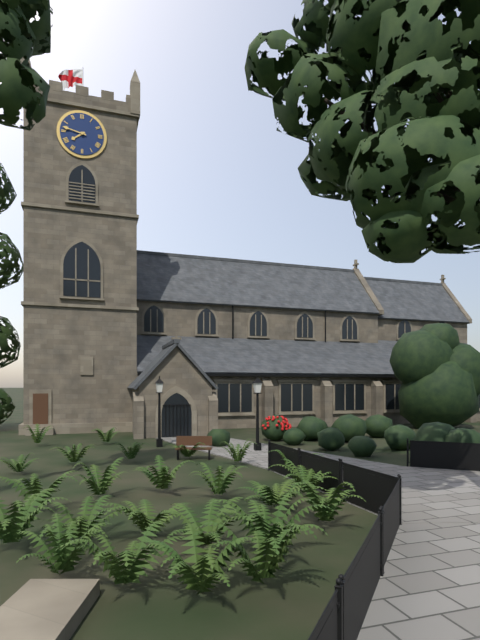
h=7 m=47
